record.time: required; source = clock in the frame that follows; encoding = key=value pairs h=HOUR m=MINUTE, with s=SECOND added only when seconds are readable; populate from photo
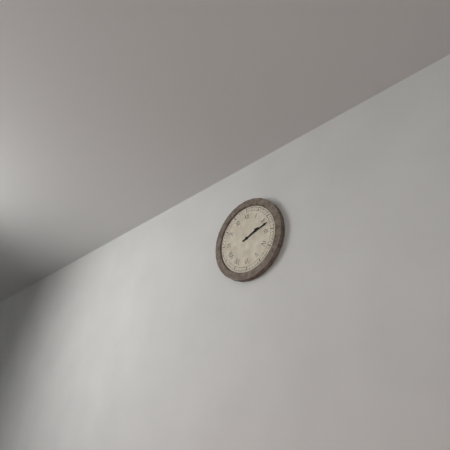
h=2 m=12
